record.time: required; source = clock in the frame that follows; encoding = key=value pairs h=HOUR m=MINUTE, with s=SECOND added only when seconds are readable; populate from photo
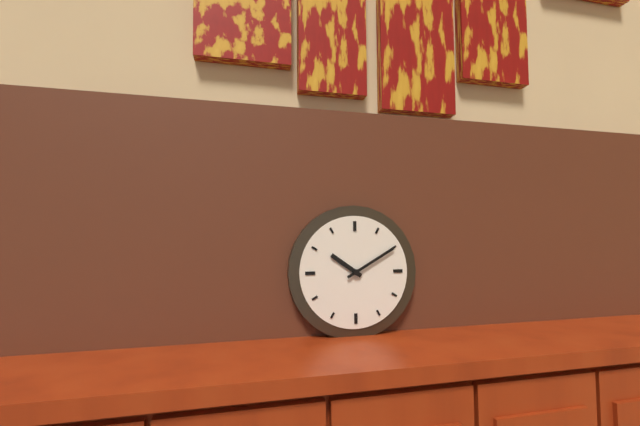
h=10 m=10
